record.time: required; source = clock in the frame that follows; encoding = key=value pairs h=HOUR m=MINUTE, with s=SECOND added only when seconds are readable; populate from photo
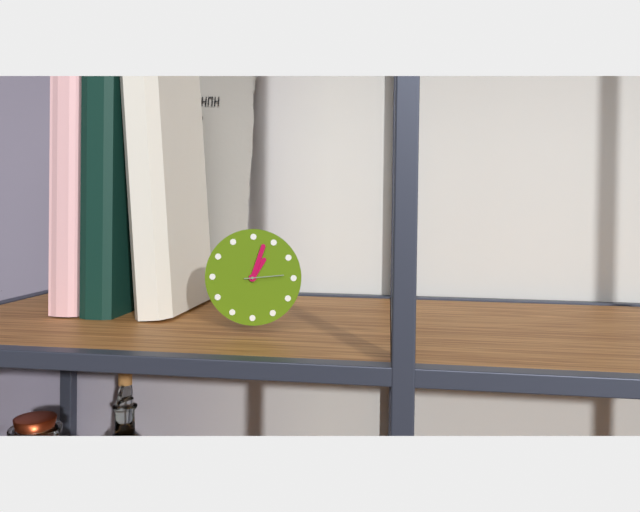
h=1 m=3
